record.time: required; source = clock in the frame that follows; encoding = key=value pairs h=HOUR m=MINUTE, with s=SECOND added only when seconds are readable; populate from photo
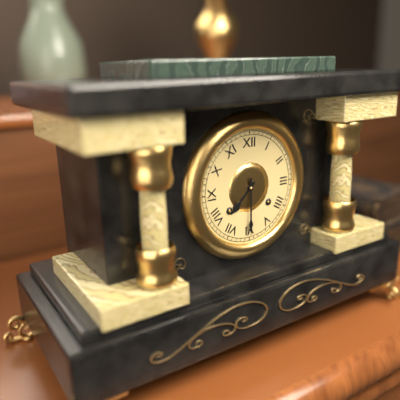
h=7 m=30
